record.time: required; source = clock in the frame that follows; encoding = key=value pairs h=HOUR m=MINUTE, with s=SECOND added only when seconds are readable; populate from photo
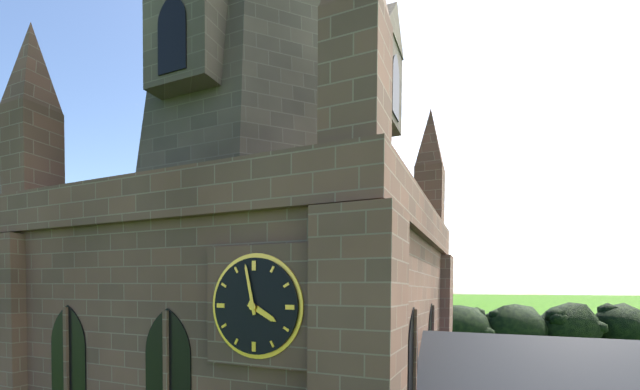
h=3 m=58
